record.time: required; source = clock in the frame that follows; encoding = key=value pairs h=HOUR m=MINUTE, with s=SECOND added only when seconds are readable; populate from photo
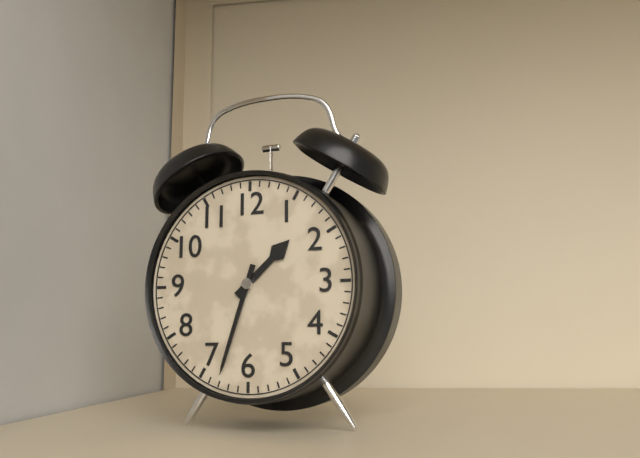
h=1 m=33
